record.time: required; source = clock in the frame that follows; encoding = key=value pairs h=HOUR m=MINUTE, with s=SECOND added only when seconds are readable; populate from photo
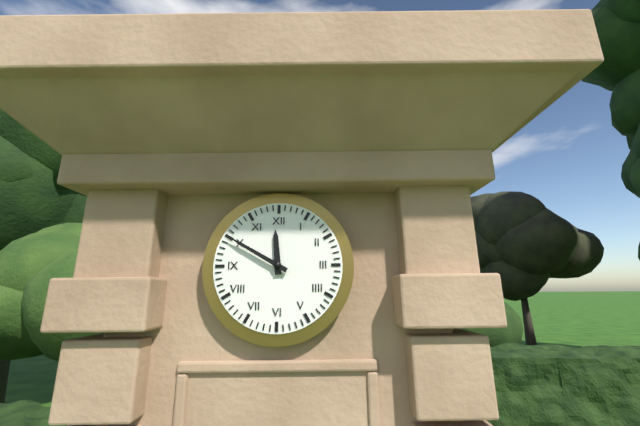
h=11 m=50
